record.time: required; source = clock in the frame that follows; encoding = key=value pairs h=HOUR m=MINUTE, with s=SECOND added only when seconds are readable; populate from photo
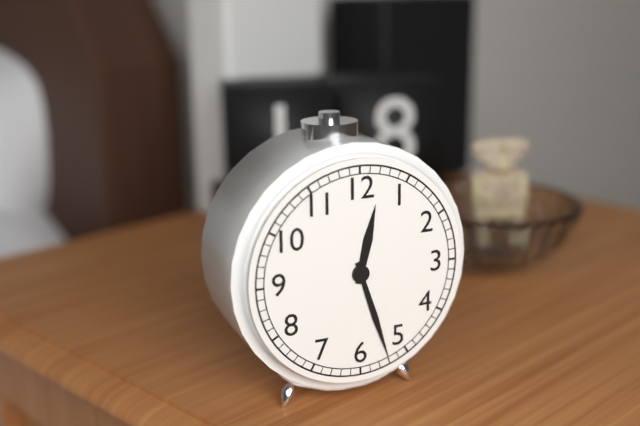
h=12 m=27
